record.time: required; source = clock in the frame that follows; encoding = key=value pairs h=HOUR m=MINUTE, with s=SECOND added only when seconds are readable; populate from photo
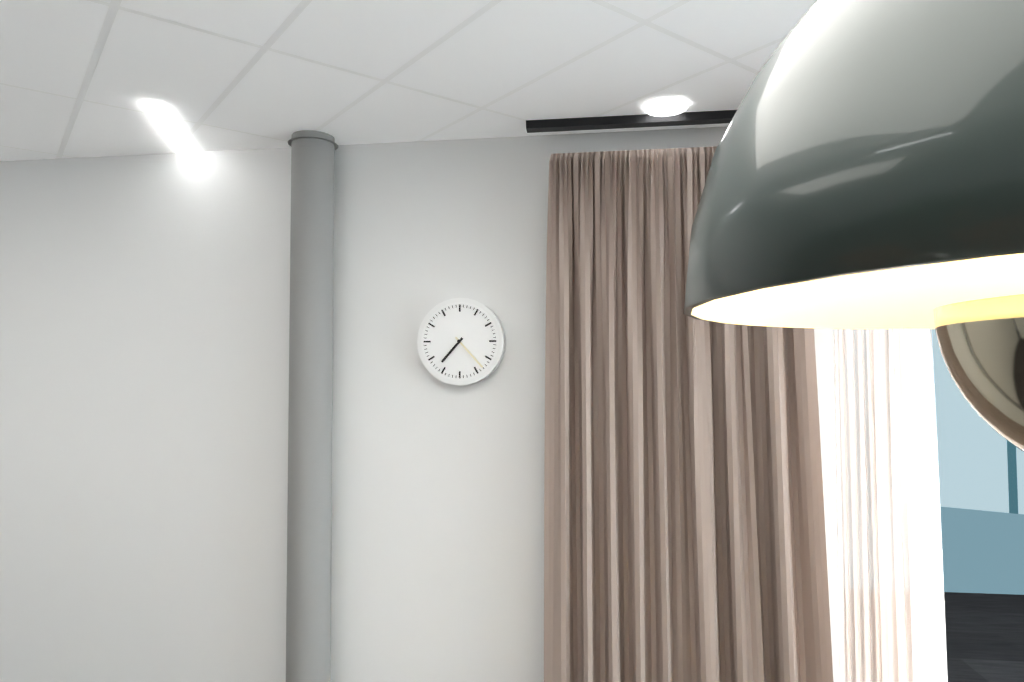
h=7 m=23
